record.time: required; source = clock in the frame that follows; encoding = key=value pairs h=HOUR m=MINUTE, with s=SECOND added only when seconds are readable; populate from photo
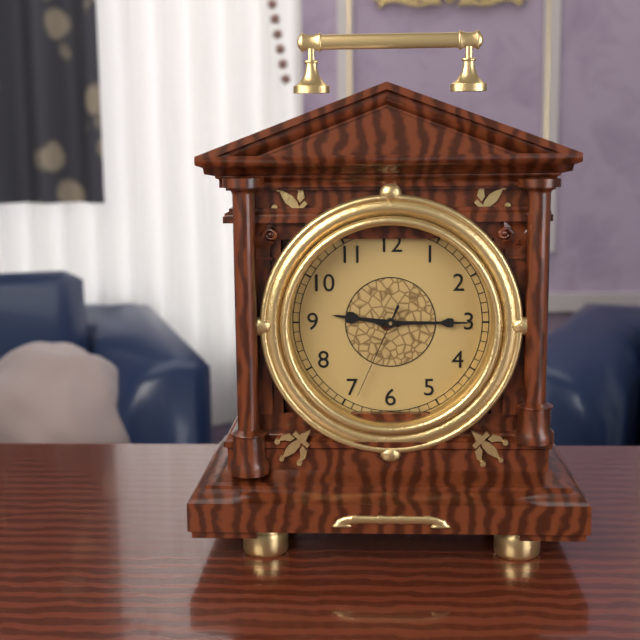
h=9 m=15 s=34
